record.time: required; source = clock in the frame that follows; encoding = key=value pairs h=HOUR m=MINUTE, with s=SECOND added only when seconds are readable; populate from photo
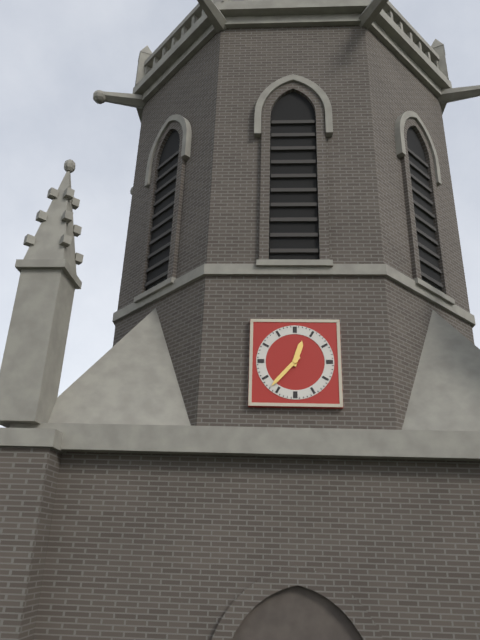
h=12 m=37
